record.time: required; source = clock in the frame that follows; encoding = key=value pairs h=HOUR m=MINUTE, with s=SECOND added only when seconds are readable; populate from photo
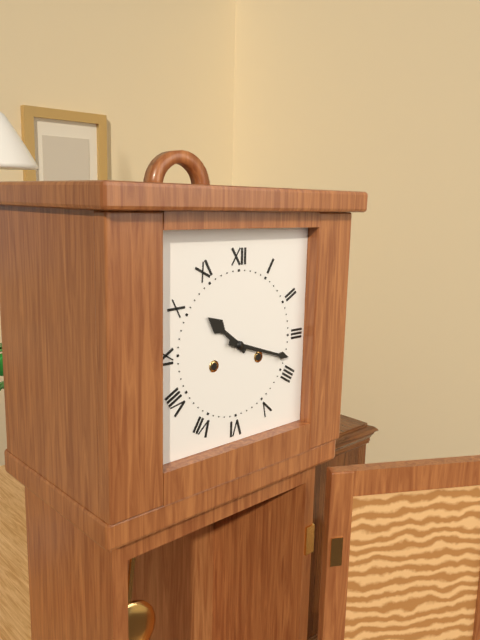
h=10 m=18
